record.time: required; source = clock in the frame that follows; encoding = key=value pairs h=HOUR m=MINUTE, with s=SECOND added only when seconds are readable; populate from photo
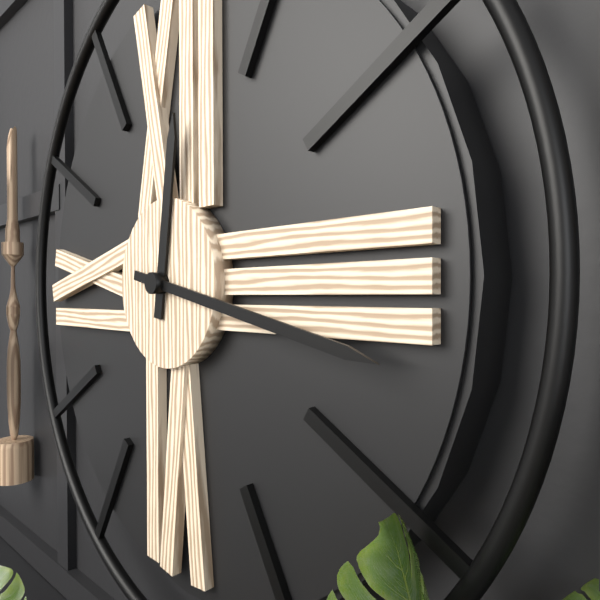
h=12 m=17
